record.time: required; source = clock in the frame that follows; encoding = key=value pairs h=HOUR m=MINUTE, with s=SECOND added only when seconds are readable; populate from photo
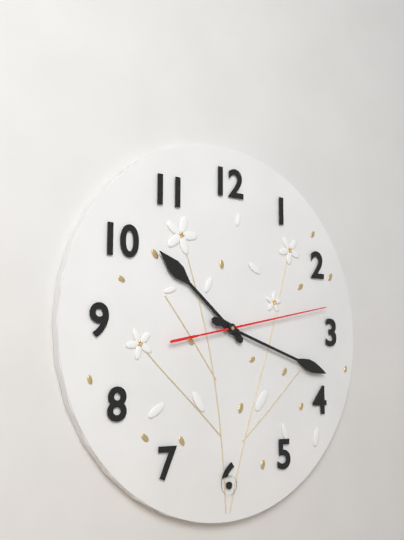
h=10 m=18 s=13
